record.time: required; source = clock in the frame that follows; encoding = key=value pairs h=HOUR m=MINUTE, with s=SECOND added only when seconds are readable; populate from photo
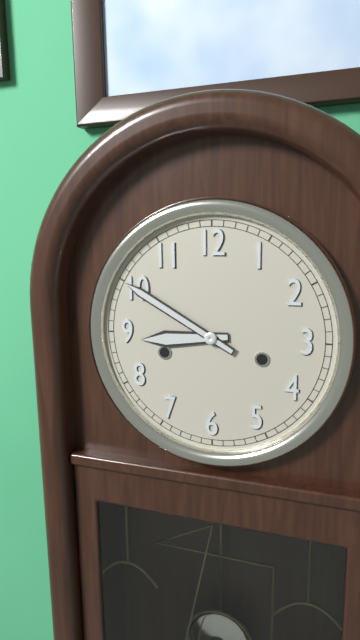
h=8 m=50
